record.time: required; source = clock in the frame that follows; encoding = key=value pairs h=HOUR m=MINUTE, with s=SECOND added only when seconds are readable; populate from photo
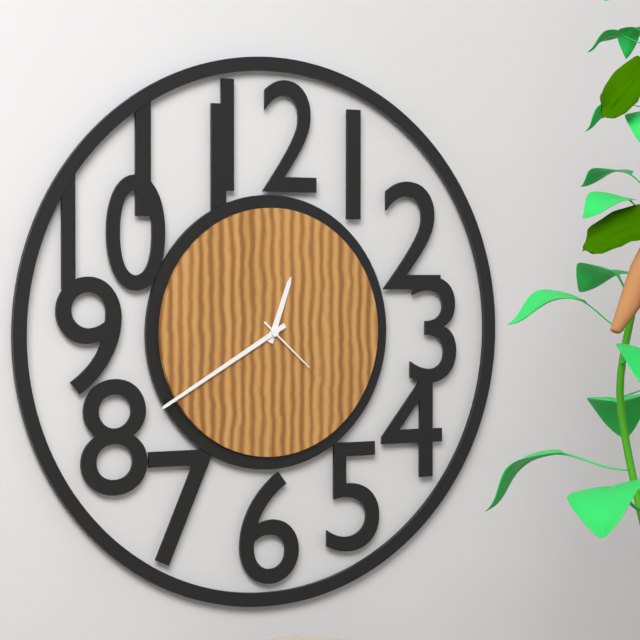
h=12 m=40 s=22
